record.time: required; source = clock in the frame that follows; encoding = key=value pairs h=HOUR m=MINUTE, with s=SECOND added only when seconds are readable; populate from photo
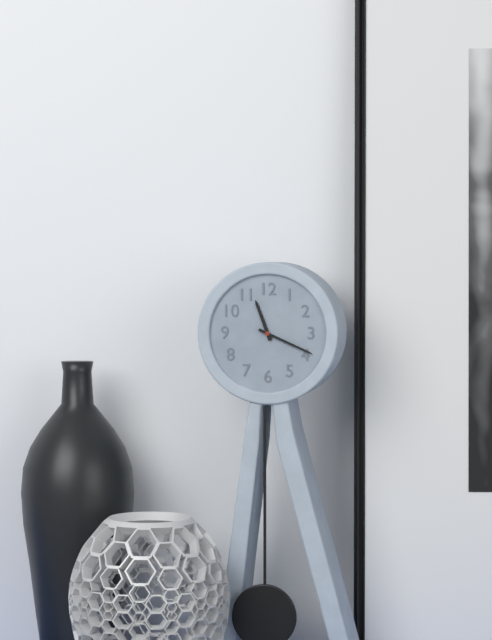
h=11 m=19
